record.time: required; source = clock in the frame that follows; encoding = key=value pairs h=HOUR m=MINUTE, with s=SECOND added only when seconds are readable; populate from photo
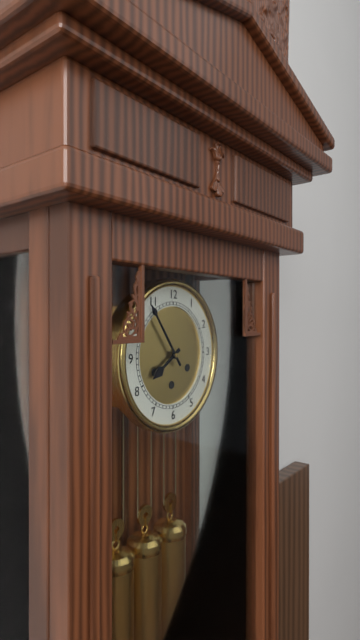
h=7 m=54
